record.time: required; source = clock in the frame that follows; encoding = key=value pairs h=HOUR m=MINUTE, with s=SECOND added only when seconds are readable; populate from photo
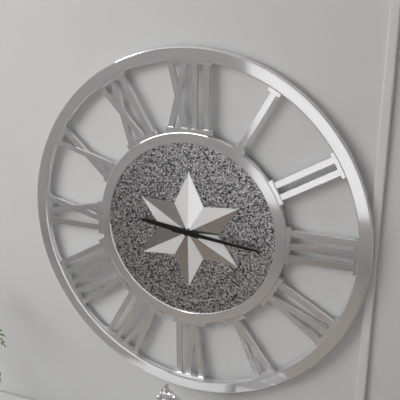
h=9 m=16
